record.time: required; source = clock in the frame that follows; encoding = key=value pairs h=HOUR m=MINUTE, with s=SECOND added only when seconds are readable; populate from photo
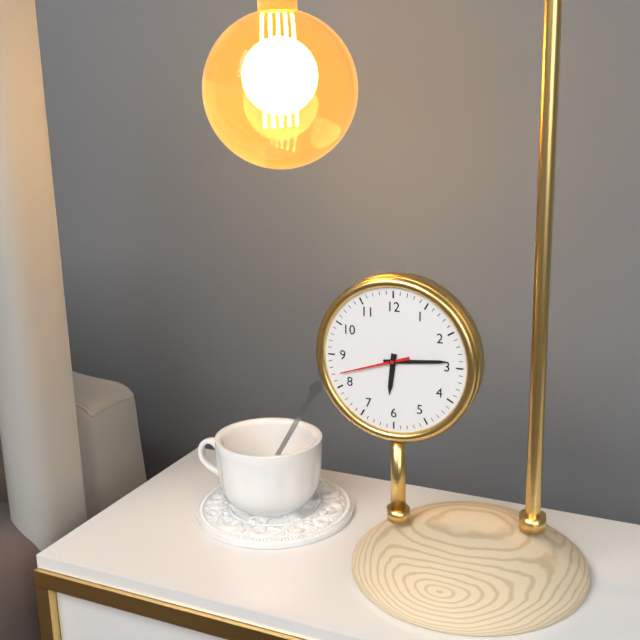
h=6 m=14 s=42
